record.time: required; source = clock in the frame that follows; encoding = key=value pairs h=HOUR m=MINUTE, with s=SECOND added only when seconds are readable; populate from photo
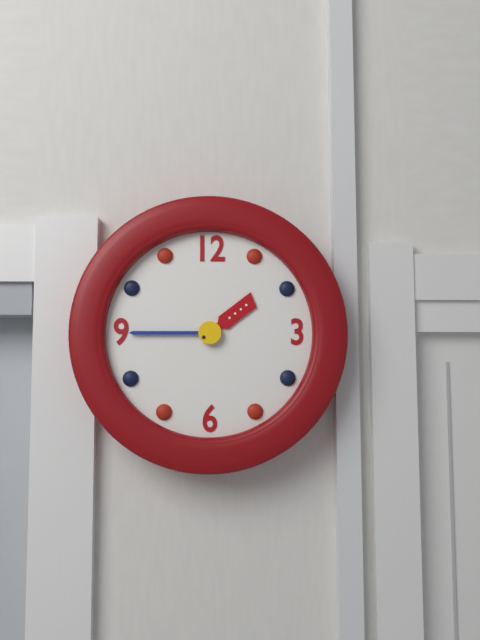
h=1 m=45
